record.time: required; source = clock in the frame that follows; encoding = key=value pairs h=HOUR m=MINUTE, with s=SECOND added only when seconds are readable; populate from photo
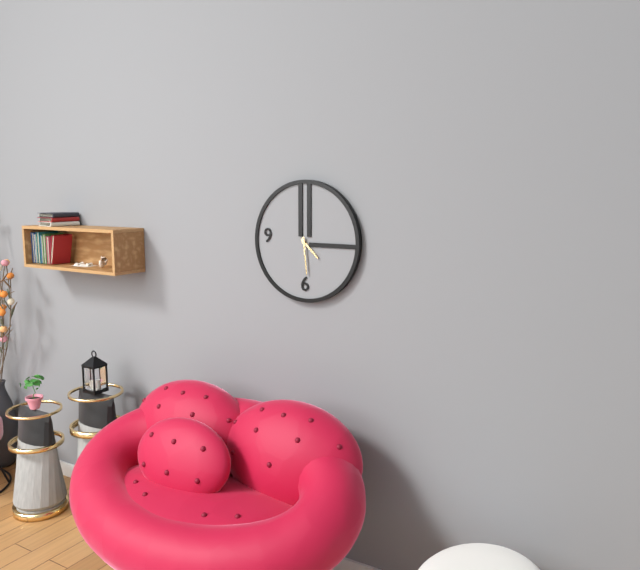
h=4 m=29
